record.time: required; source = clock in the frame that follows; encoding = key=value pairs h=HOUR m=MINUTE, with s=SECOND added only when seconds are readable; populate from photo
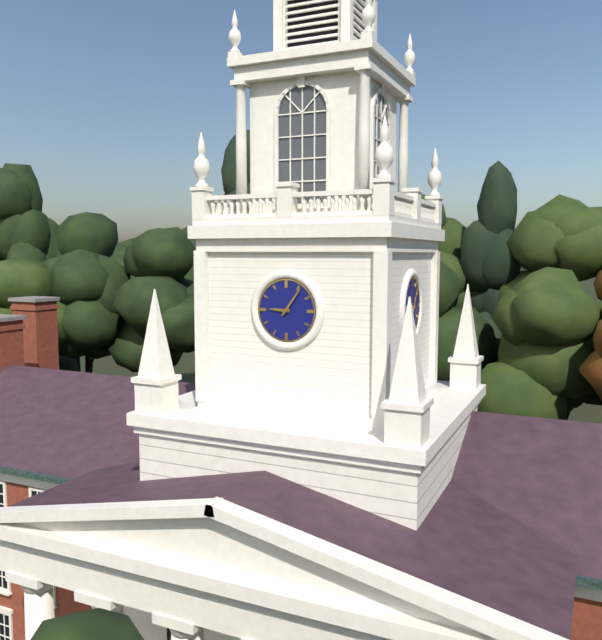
h=9 m=6
